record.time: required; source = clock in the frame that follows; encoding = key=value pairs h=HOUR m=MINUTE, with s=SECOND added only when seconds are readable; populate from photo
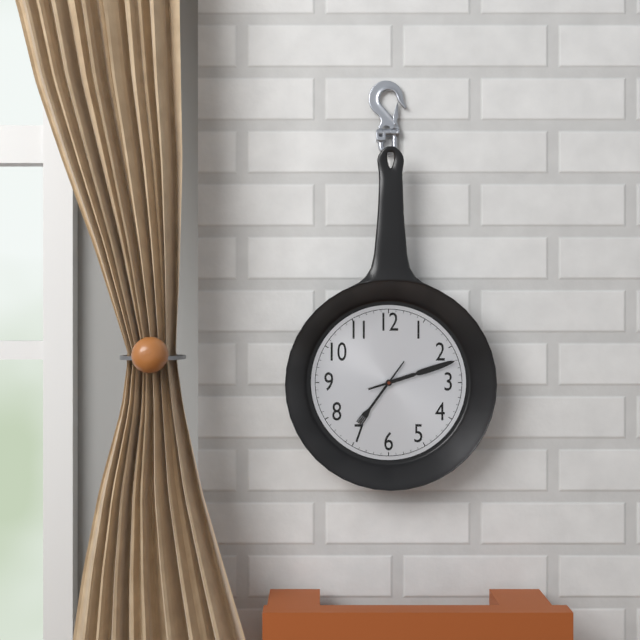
h=7 m=12
